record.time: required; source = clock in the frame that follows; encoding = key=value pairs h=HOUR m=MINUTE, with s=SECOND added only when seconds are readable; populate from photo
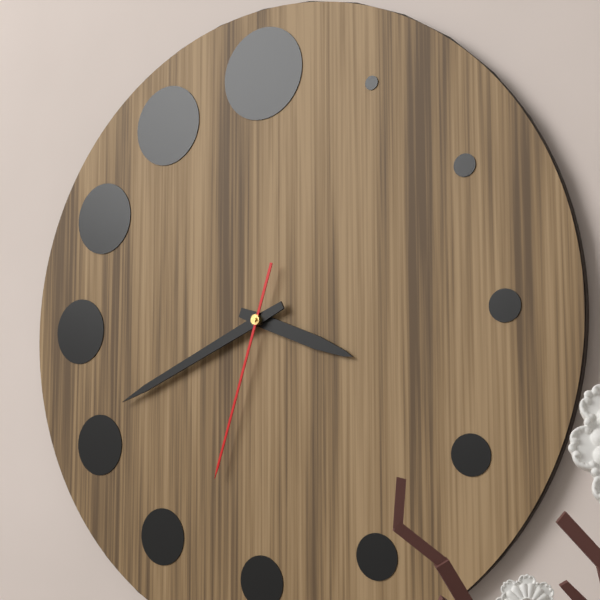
h=3 m=41 s=33
